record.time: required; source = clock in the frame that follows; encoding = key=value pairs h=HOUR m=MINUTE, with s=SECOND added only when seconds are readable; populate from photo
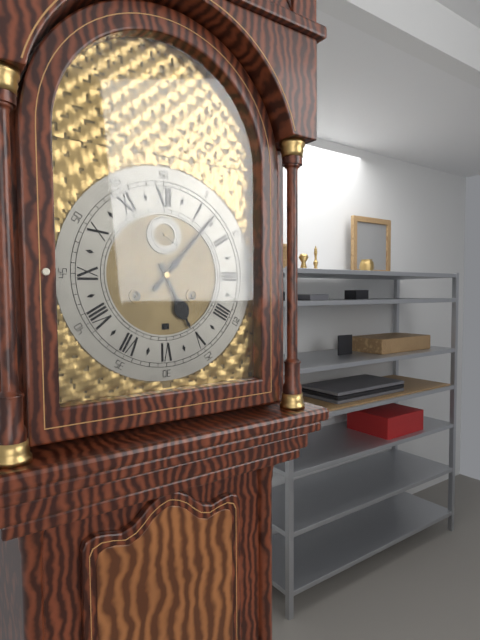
h=5 m=7
